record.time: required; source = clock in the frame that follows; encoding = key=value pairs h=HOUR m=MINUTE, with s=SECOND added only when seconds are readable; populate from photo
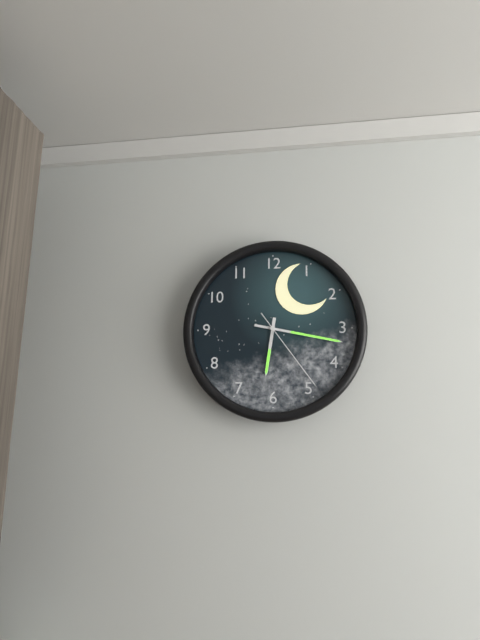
h=6 m=17 s=24
